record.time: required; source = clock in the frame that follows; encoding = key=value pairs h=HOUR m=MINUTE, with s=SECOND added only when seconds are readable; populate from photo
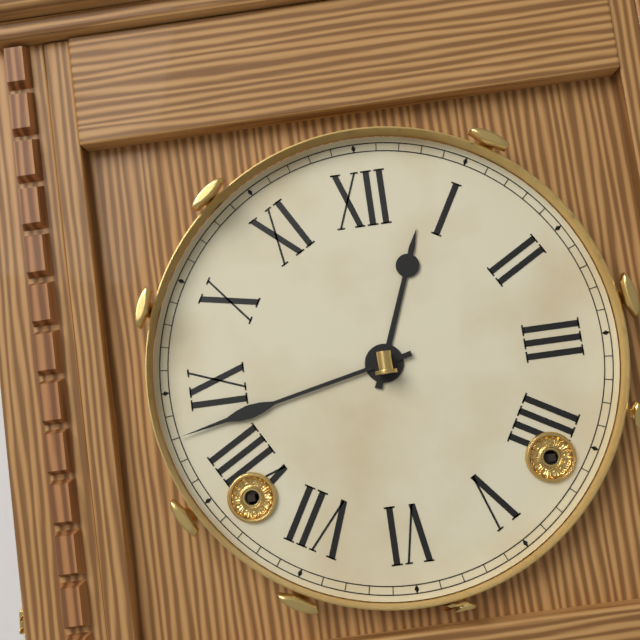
h=12 m=43
